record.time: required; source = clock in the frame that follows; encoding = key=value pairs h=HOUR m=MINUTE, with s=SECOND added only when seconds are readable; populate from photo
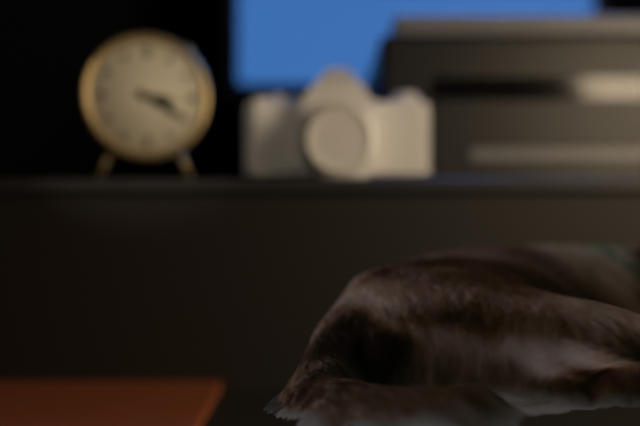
h=3 m=20
